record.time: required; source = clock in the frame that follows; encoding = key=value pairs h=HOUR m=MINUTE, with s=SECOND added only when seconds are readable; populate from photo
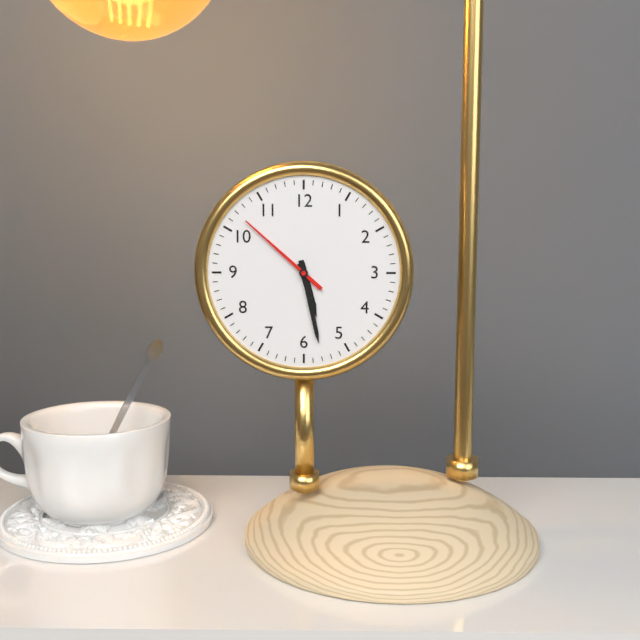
h=5 m=28 s=52
